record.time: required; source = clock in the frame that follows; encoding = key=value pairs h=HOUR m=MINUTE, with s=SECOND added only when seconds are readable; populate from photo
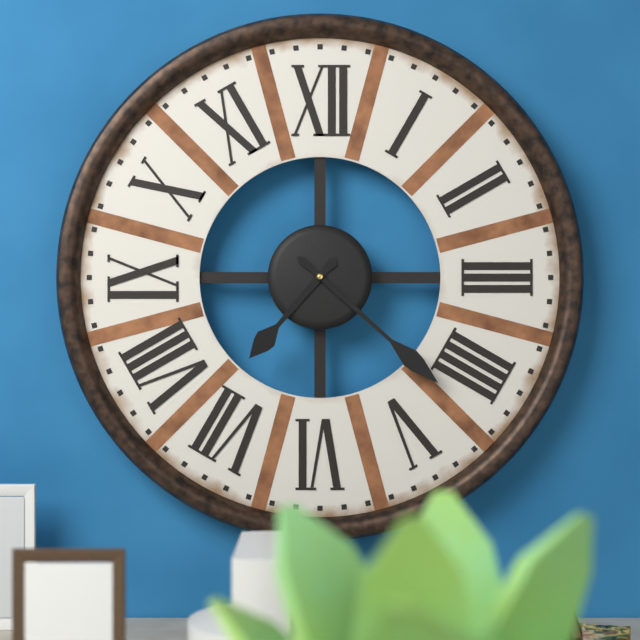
h=7 m=22
